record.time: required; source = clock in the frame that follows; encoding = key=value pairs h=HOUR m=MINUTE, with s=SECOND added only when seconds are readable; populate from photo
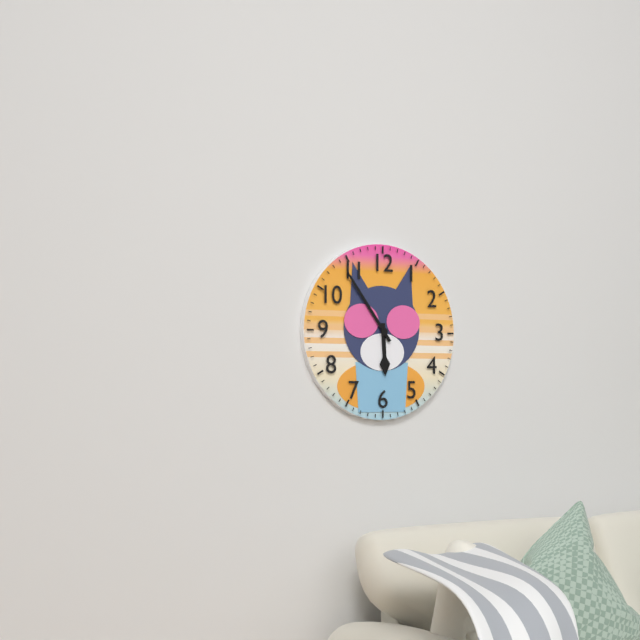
h=5 m=54
